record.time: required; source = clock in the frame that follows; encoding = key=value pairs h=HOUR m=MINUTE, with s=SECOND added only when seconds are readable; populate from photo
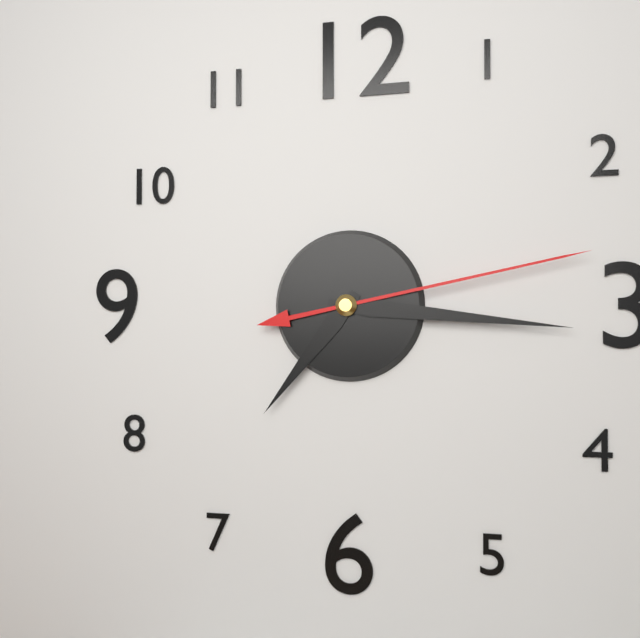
h=7 m=16 s=13
